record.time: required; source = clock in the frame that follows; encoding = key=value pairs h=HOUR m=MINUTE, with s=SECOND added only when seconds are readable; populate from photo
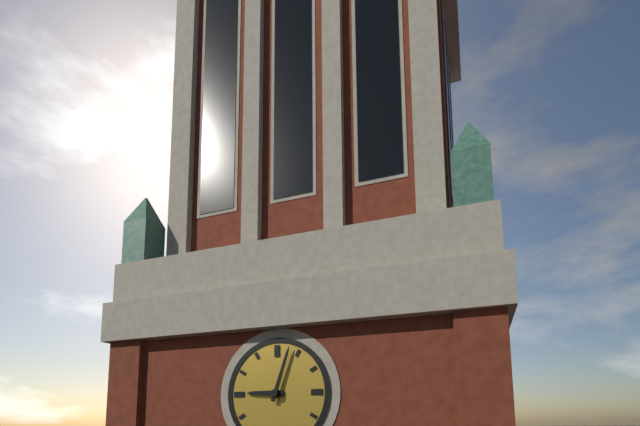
h=9 m=3
